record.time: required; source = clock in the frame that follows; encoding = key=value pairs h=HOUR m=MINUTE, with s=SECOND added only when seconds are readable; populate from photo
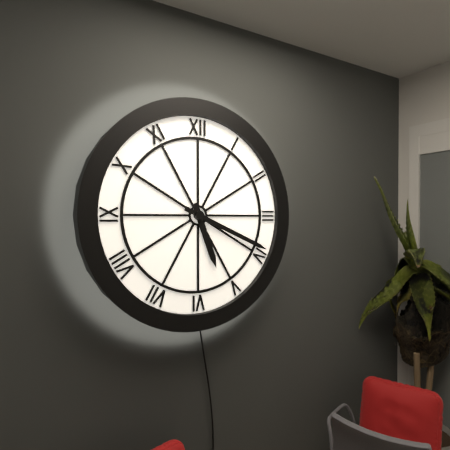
h=5 m=19
